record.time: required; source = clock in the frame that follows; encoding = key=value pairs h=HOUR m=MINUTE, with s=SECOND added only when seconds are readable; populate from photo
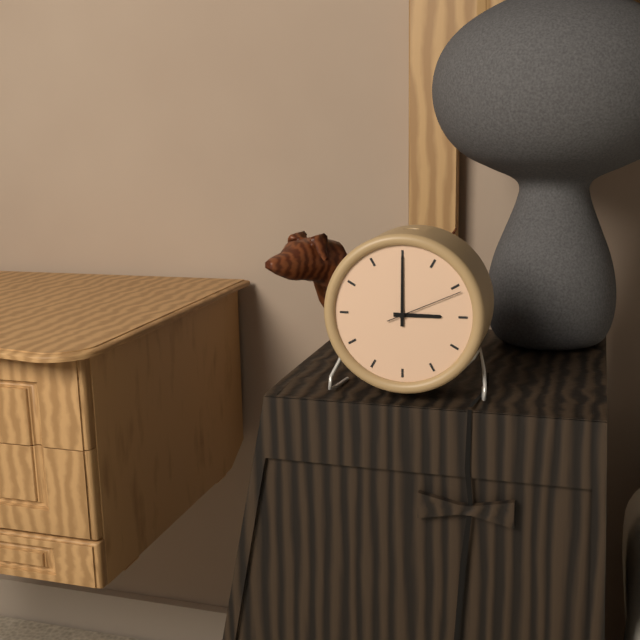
h=3 m=0 s=11
